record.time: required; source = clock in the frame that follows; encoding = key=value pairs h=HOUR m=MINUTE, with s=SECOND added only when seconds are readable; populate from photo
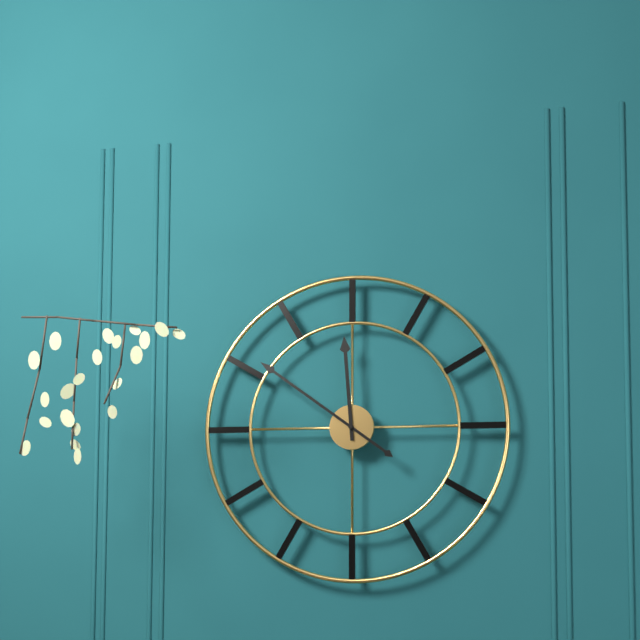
h=11 m=51
